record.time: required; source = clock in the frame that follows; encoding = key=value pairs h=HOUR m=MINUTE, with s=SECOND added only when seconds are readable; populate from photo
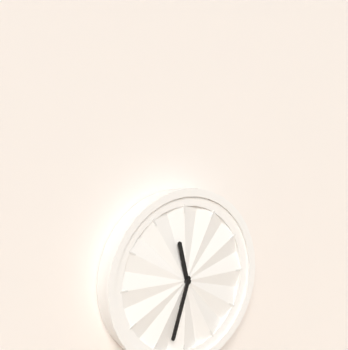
h=11 m=33
